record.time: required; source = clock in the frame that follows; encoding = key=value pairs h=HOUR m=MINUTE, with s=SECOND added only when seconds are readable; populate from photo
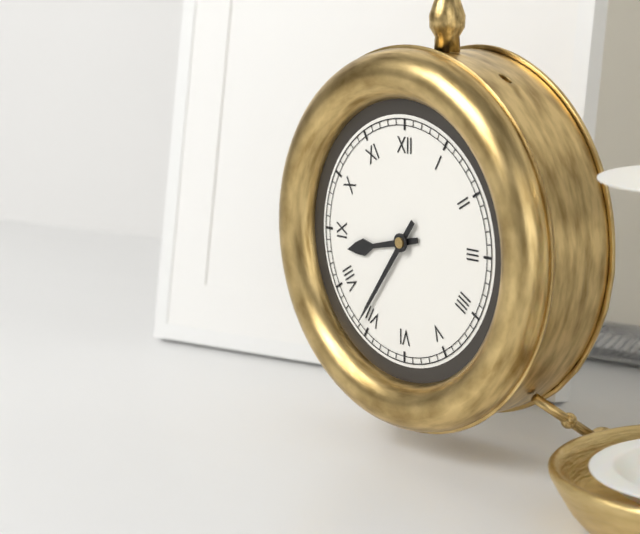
h=8 m=36
